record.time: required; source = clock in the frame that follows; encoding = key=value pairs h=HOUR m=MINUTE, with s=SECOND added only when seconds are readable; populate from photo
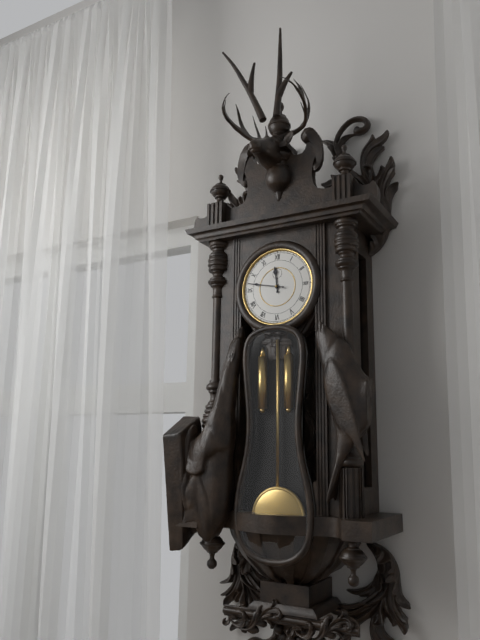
h=11 m=47
